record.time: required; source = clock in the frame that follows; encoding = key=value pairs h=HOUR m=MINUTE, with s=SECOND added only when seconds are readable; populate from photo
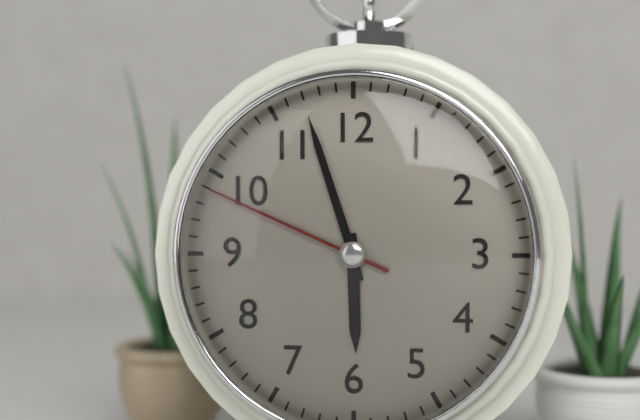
h=5 m=57 s=49
